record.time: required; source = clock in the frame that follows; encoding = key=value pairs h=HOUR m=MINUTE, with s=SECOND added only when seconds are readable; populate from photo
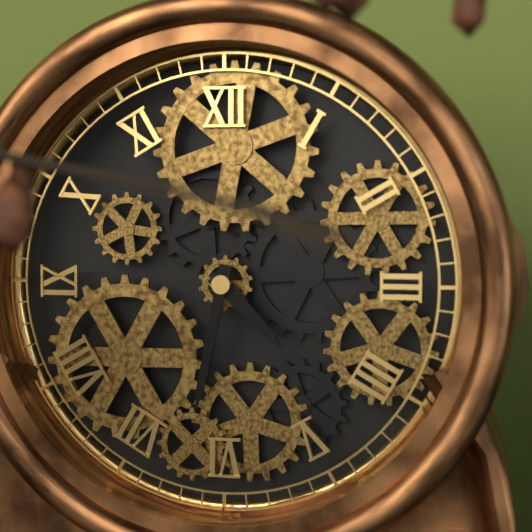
h=4 m=32
